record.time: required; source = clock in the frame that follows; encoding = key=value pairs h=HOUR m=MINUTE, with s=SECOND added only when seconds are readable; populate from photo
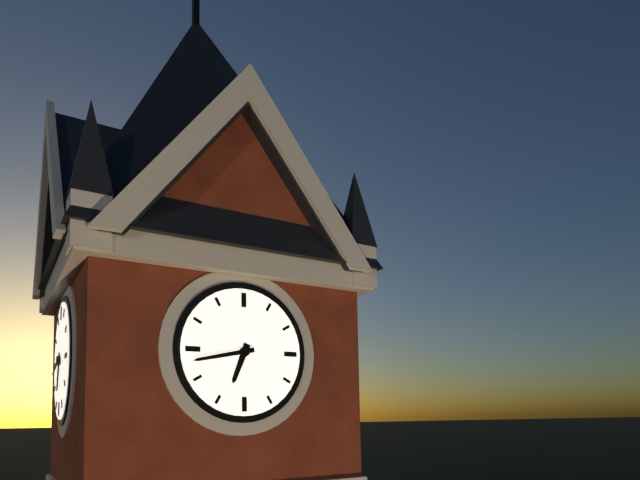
h=6 m=43
